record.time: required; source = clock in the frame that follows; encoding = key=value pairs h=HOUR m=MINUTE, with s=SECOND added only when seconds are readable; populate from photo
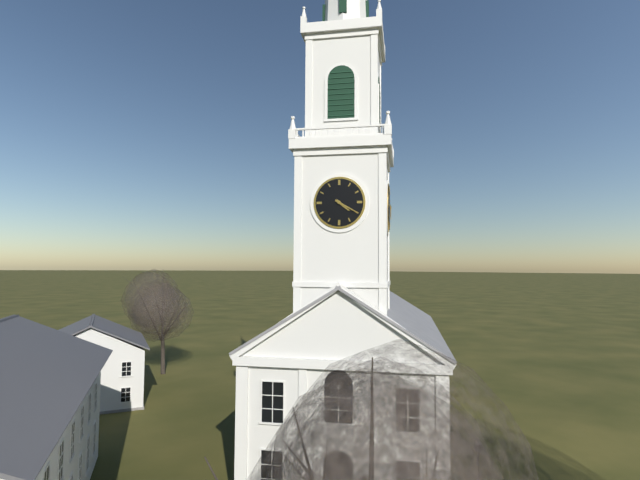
h=4 m=20
